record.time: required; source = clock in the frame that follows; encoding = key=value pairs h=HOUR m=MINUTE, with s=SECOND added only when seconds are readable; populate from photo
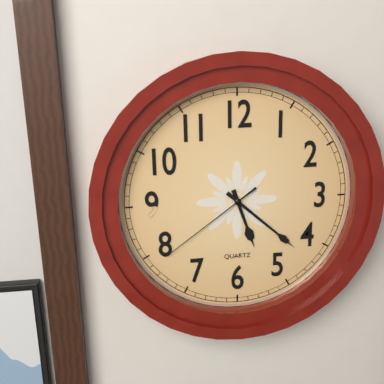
h=5 m=22 s=39
